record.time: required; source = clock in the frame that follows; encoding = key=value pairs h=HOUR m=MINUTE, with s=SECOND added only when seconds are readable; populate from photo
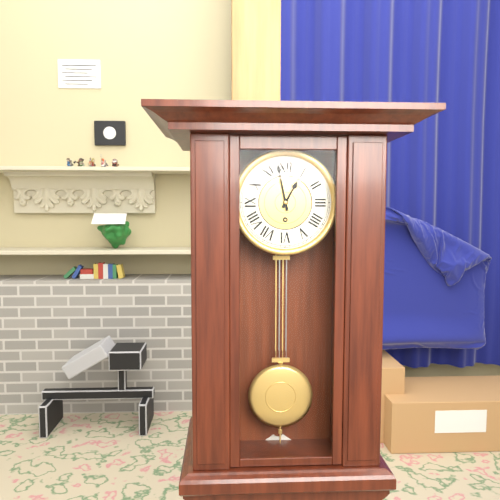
h=12 m=58
